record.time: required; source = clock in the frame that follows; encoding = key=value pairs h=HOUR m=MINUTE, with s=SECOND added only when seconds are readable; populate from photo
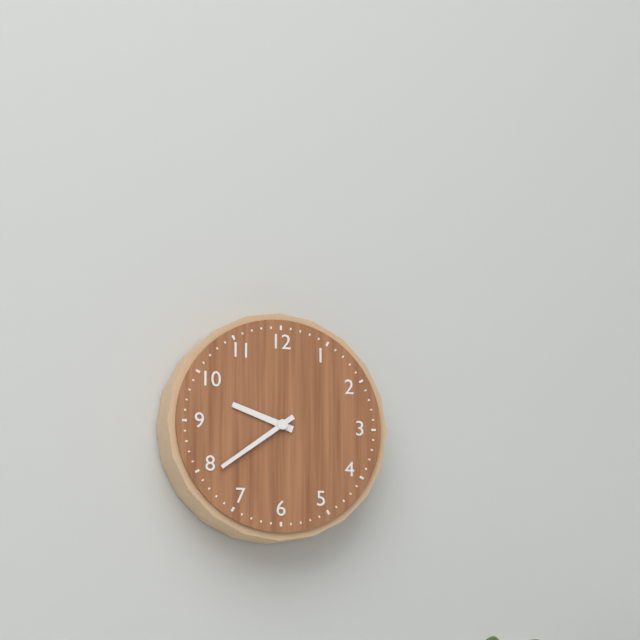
h=9 m=39
